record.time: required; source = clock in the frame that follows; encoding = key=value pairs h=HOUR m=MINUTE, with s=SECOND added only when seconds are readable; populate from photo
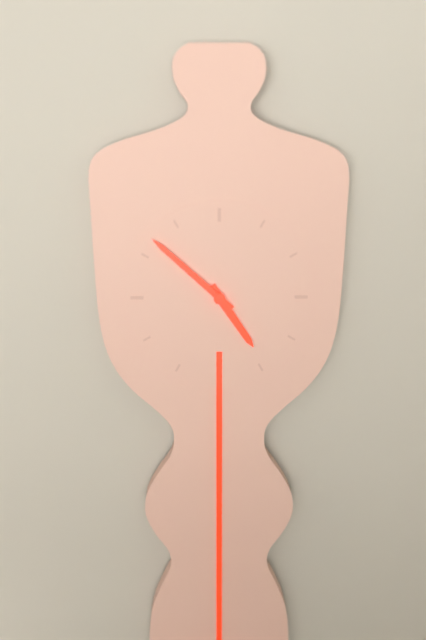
h=4 m=52
